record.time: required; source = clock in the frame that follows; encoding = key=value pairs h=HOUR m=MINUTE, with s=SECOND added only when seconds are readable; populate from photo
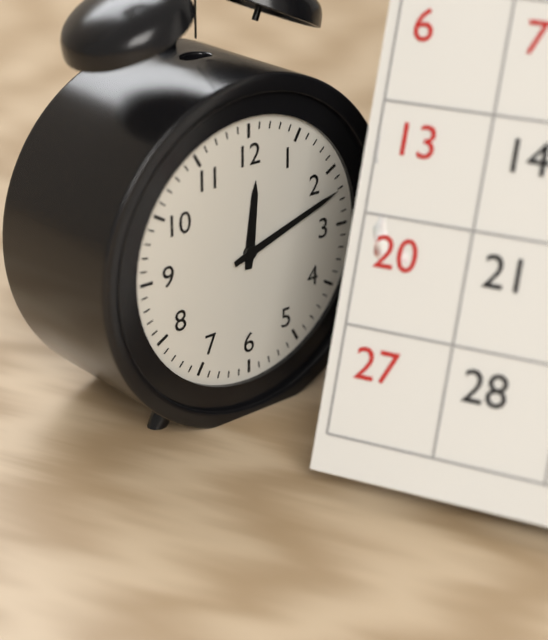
h=12 m=12
